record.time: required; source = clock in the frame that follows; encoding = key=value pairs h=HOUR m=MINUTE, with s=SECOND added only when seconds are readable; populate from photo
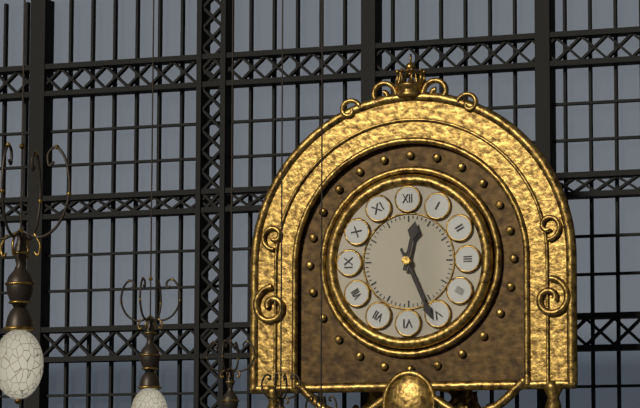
h=12 m=26
